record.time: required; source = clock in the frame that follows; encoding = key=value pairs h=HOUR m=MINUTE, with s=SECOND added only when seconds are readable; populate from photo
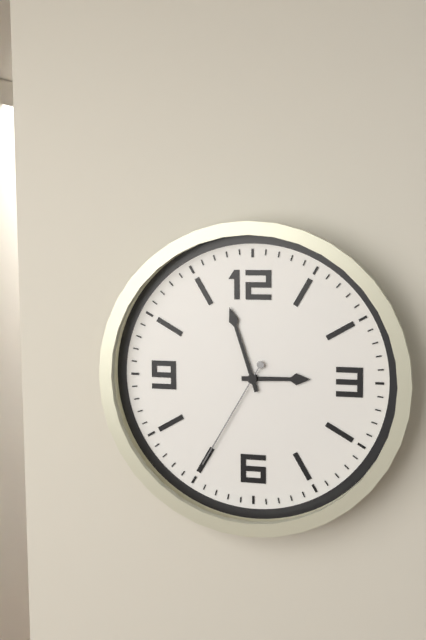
h=2 m=57 s=35
